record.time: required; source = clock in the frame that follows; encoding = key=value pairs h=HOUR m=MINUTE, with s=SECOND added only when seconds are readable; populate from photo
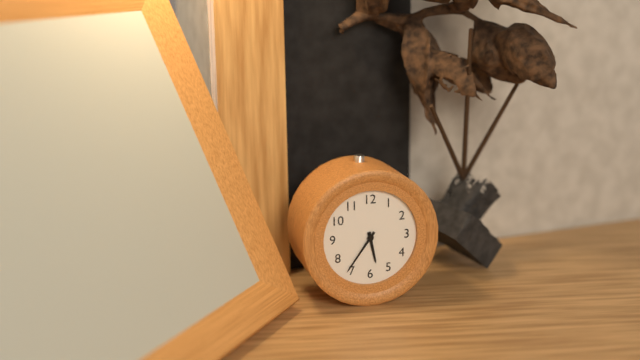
h=5 m=36
